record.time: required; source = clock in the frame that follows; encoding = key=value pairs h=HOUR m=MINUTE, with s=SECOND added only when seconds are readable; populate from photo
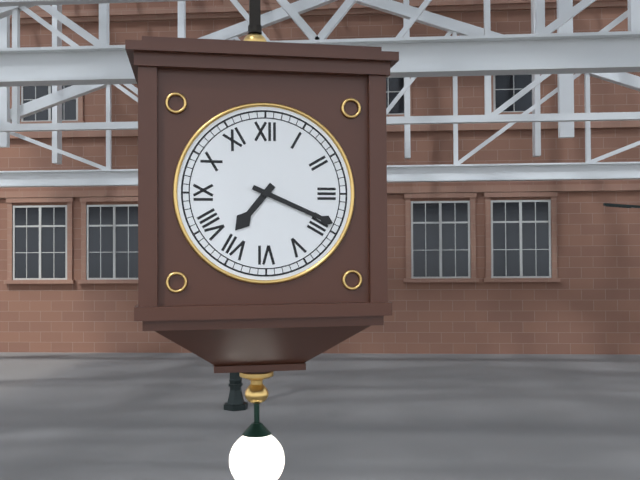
h=7 m=19
